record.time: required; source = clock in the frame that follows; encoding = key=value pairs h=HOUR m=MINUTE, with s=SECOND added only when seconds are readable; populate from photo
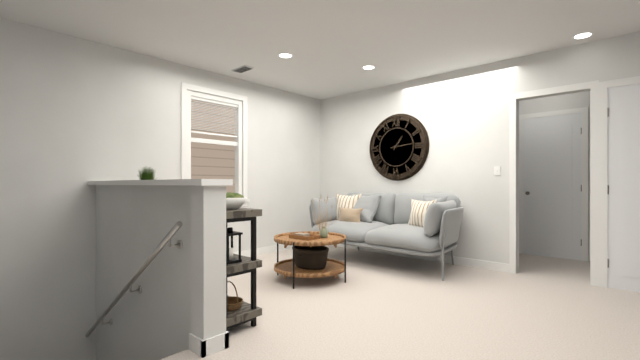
h=1 m=14
